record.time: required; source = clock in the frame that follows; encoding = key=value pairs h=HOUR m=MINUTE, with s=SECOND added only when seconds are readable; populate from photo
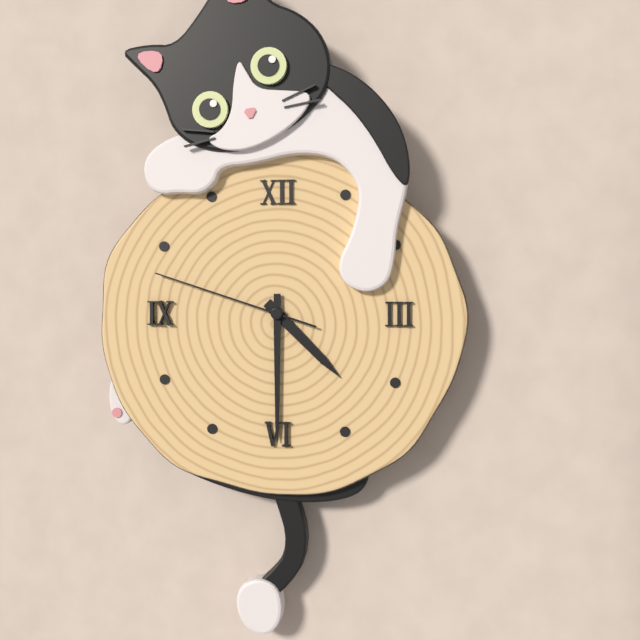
h=4 m=30 s=48
